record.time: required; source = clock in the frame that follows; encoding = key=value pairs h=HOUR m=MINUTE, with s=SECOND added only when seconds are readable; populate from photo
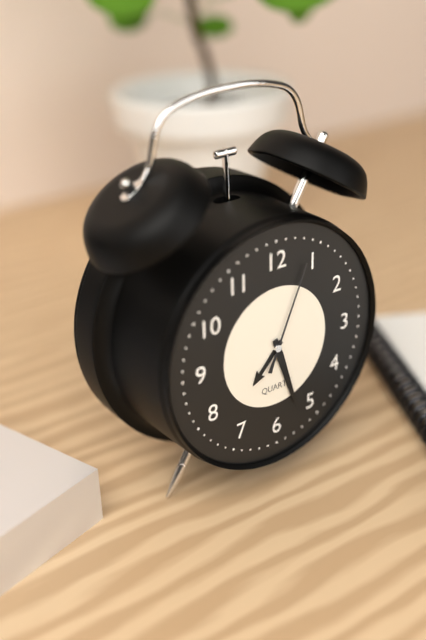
h=7 m=27 s=4
